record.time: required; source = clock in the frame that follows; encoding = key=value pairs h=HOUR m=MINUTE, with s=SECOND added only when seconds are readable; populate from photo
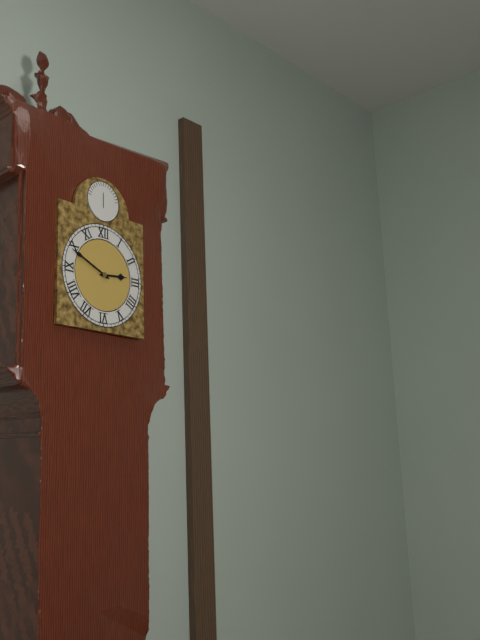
h=2 m=49
